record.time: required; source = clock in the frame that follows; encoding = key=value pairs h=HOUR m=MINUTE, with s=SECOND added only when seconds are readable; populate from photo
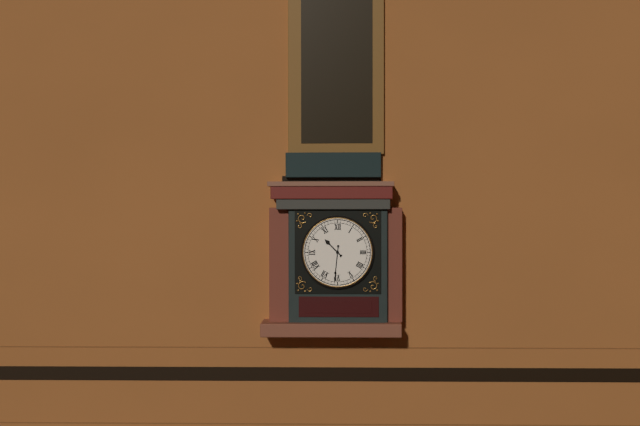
h=10 m=31
